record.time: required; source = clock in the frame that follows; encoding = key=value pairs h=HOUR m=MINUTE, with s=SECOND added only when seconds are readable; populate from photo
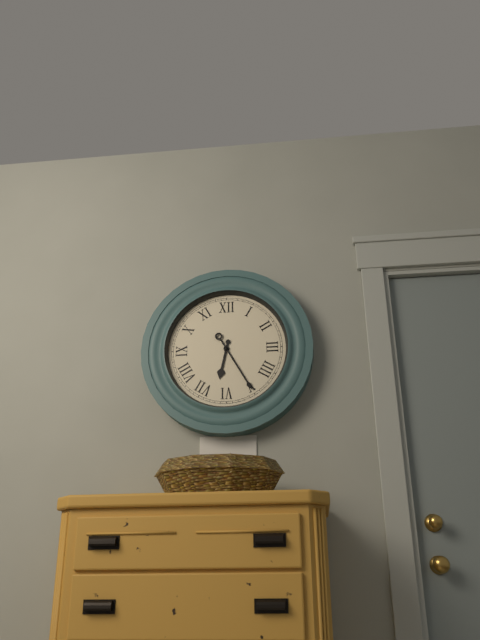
h=6 m=25
